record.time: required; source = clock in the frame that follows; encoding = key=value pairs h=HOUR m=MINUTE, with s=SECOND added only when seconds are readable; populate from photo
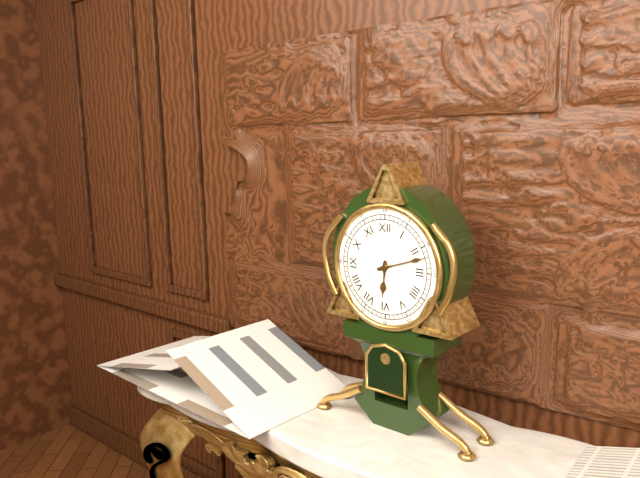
h=6 m=12
